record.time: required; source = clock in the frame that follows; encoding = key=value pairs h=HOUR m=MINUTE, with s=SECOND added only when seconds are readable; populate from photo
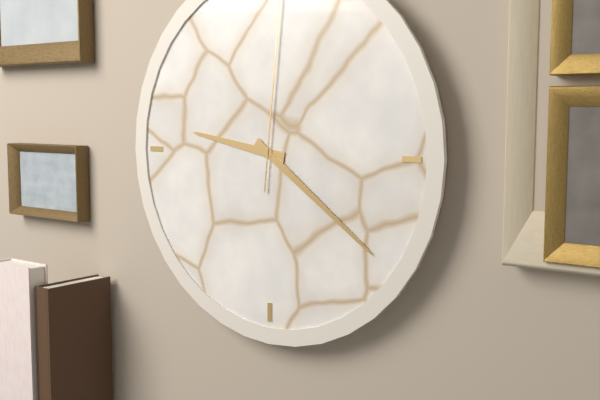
h=9 m=21
